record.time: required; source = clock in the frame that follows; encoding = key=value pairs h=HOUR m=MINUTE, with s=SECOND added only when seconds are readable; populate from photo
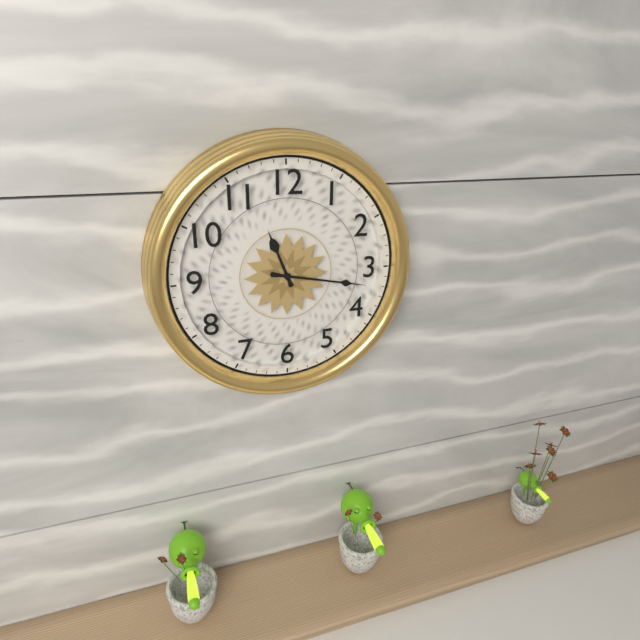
h=11 m=17
